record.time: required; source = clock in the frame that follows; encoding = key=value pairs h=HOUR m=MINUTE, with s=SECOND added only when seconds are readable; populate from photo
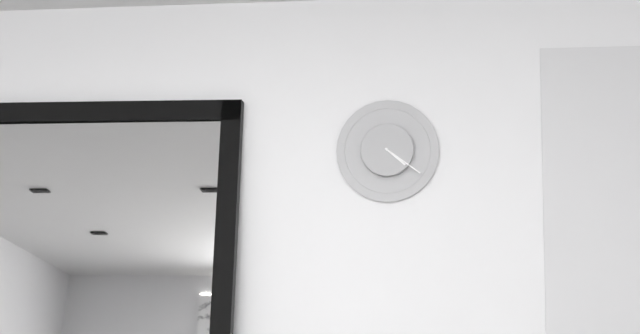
h=4 m=21
